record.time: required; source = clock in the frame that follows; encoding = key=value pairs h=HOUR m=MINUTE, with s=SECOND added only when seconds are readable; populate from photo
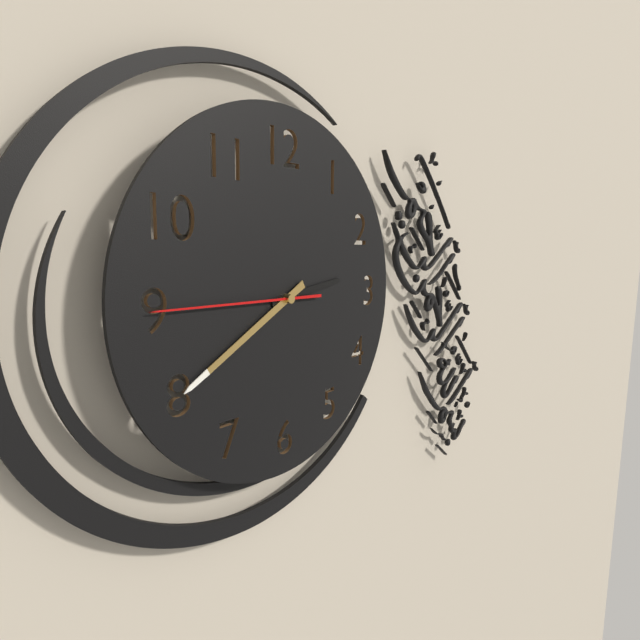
h=2 m=40 s=45
